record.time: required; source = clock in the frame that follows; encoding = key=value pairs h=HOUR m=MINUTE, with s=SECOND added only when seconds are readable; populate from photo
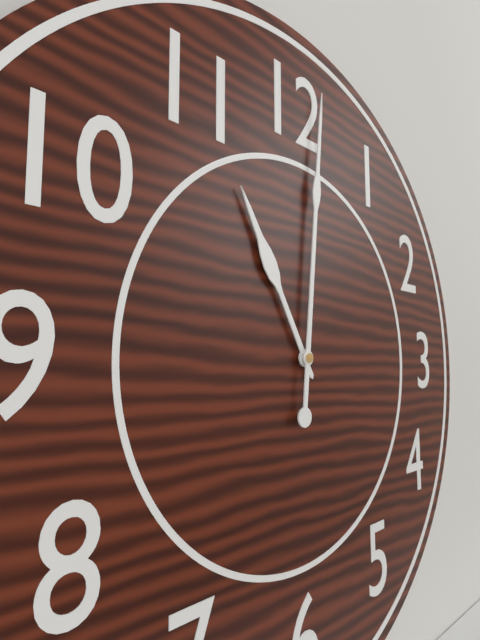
h=11 m=1
